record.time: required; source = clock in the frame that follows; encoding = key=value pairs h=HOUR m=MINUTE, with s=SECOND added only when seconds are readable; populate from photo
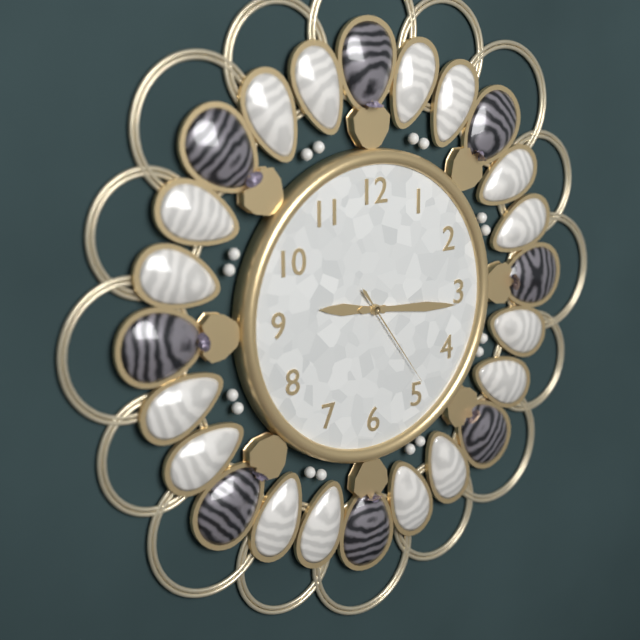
h=9 m=16 s=24
